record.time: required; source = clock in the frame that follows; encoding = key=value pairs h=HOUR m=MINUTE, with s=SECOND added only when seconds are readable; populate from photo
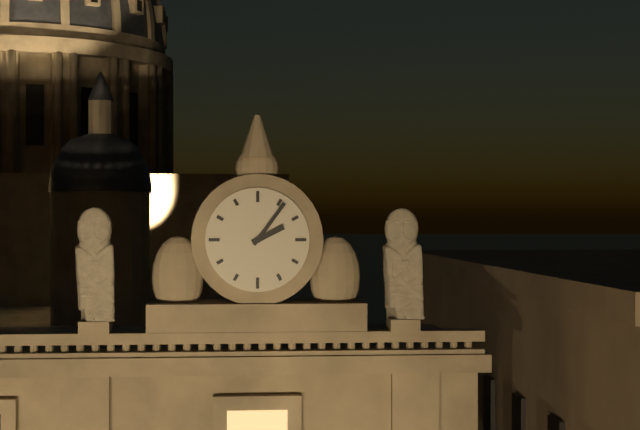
h=2 m=6
